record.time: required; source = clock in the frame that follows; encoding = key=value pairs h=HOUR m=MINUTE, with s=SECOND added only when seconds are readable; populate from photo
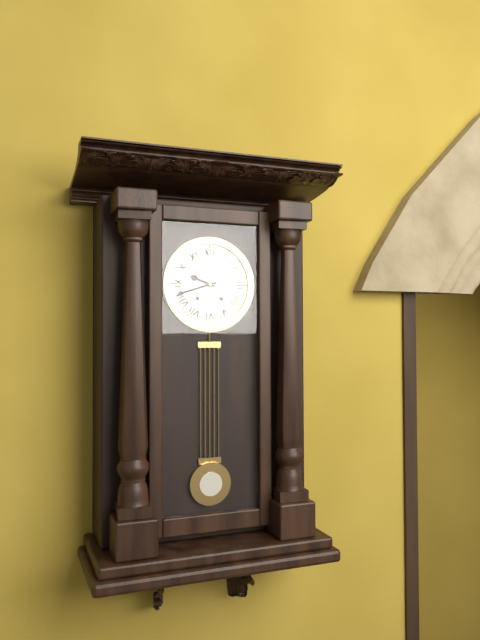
h=9 m=42
